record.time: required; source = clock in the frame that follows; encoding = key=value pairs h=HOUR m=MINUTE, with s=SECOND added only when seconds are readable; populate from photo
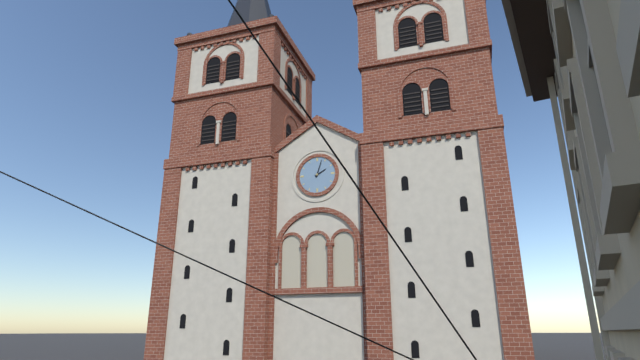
h=2 m=3
